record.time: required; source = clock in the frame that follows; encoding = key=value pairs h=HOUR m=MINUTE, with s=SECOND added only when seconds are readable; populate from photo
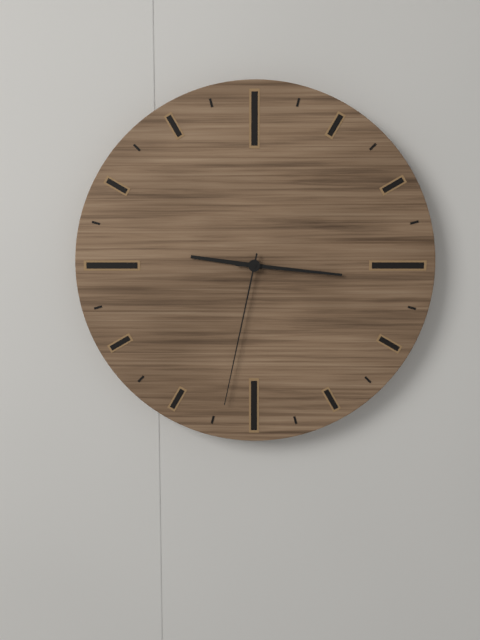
h=9 m=16 s=32
